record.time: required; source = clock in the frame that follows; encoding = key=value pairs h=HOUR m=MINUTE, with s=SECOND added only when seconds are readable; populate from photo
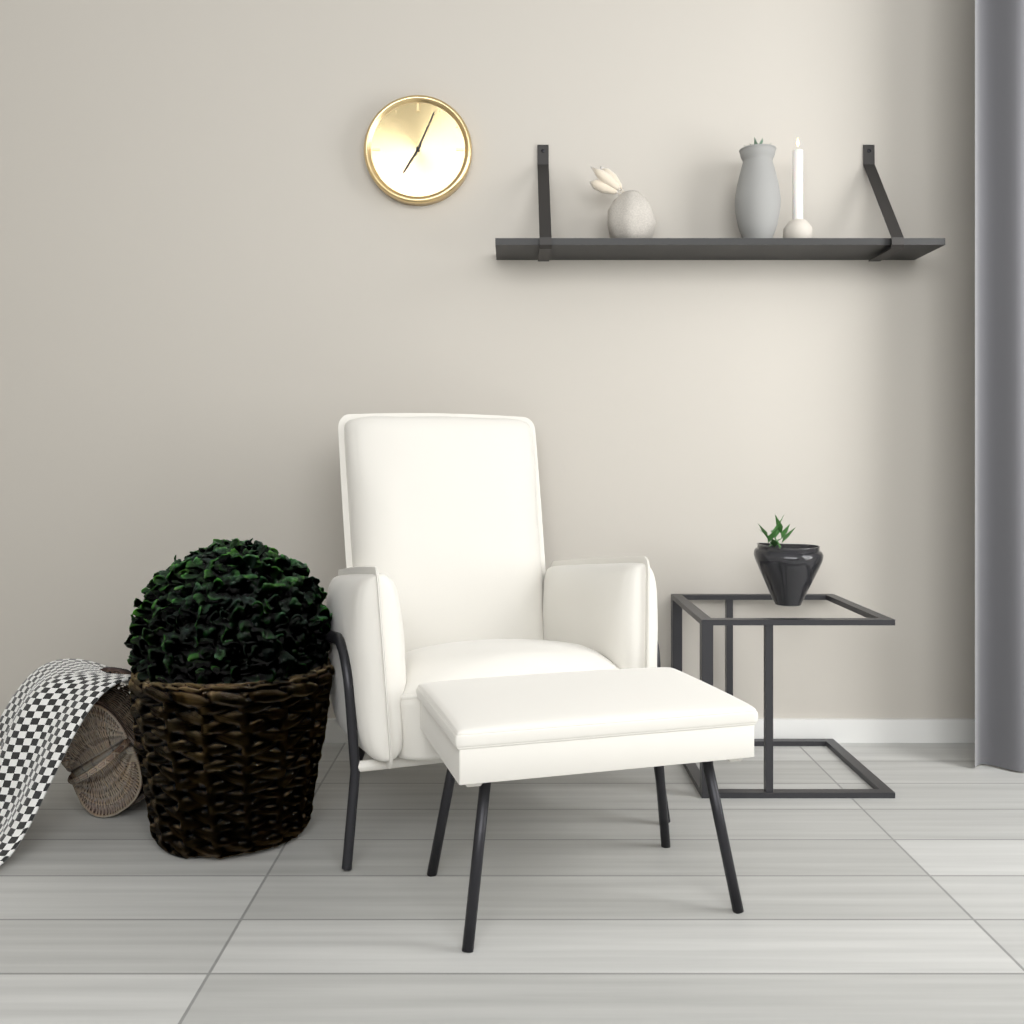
h=7 m=4
